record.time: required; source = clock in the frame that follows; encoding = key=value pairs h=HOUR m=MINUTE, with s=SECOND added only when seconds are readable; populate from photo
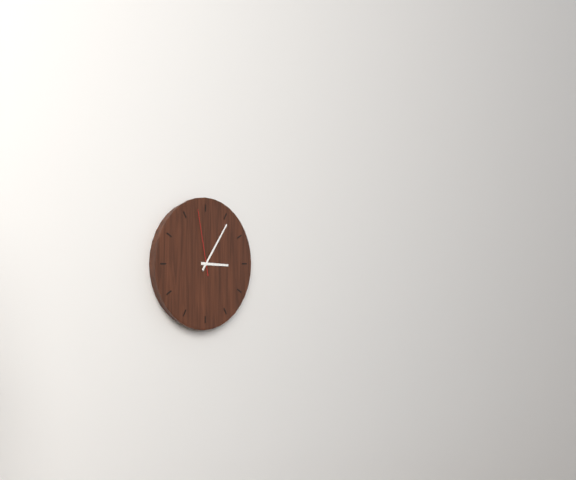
h=3 m=6 s=58
